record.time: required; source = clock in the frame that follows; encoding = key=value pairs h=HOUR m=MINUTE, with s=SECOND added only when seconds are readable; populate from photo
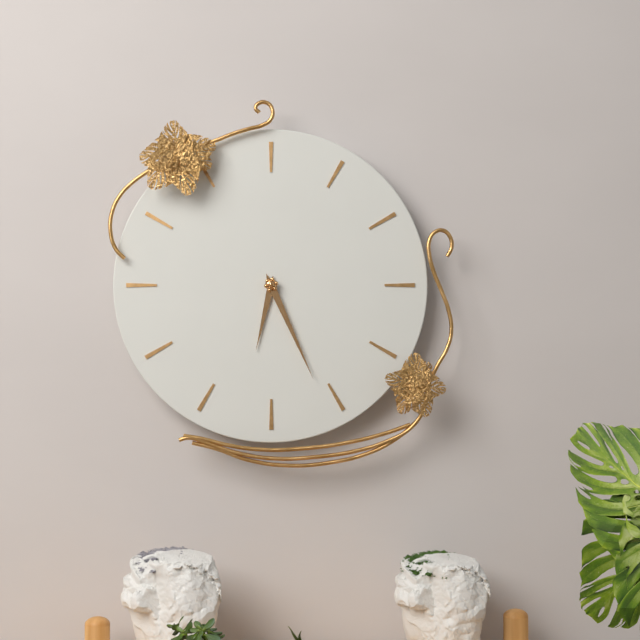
h=6 m=26
